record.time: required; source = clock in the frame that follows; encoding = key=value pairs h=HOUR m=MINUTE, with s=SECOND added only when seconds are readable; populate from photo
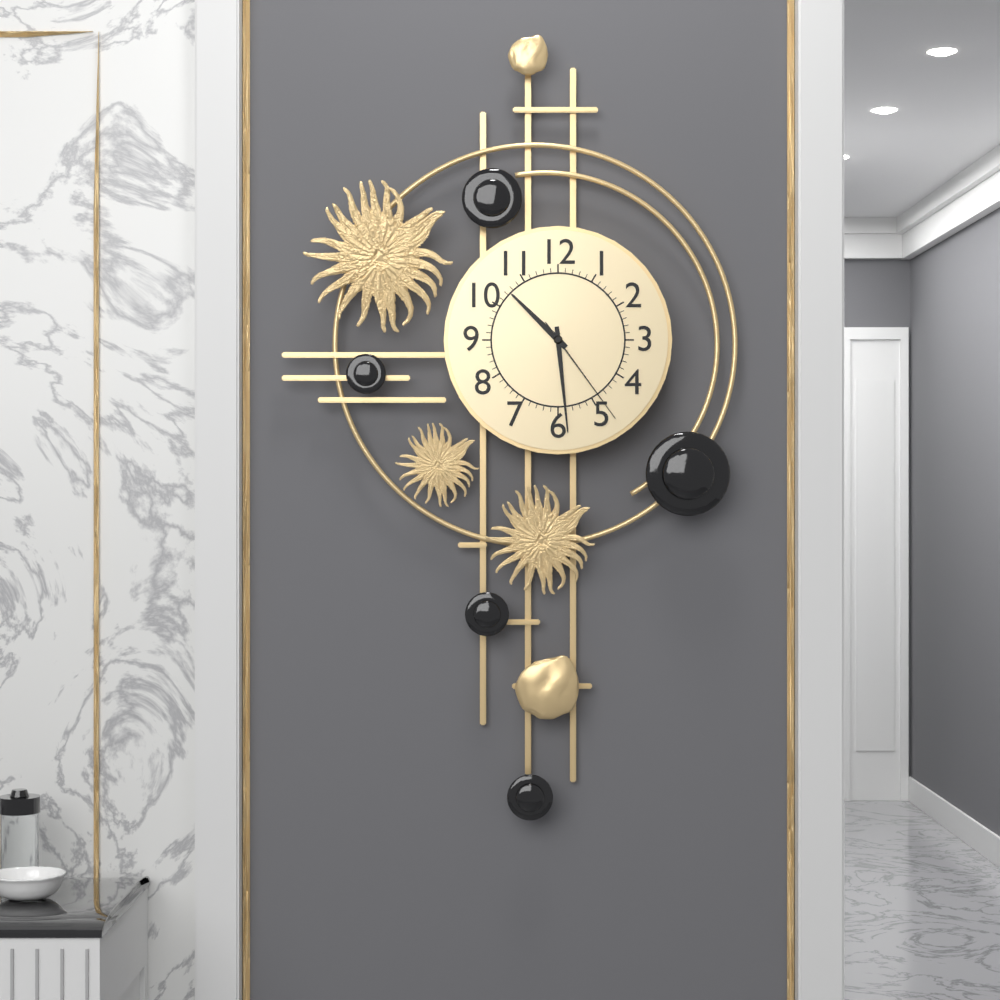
h=10 m=29 s=24
